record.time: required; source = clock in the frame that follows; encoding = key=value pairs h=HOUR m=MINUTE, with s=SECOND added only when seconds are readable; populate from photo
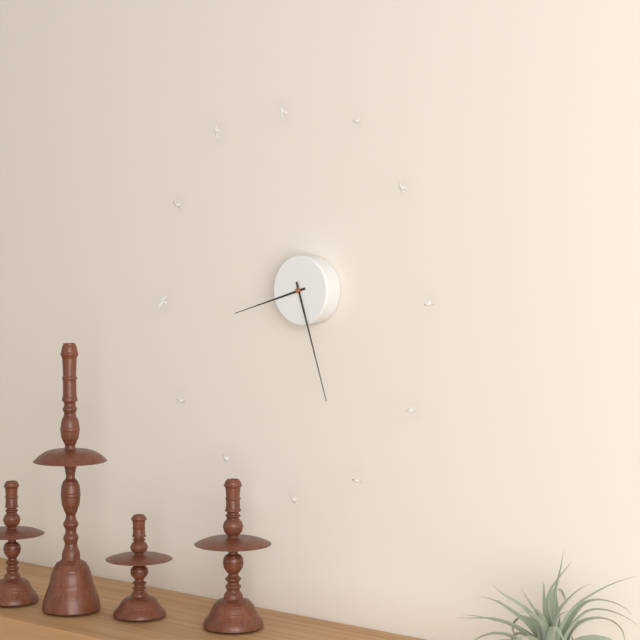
h=8 m=27
